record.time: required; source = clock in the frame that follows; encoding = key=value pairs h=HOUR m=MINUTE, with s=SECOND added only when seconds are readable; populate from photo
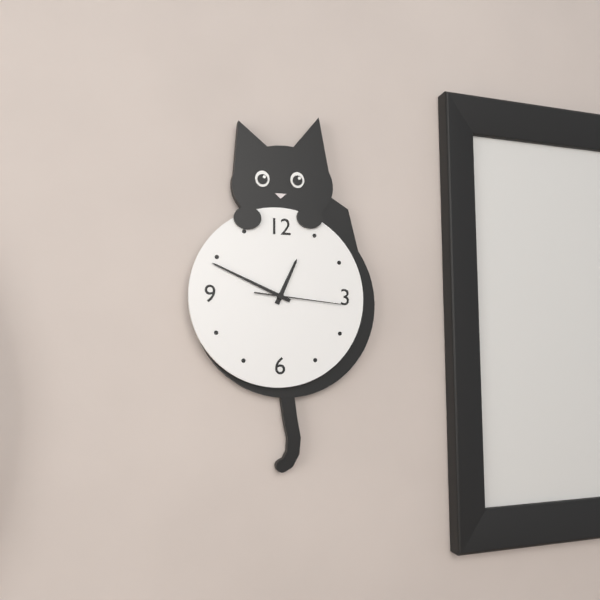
h=12 m=49 s=16
